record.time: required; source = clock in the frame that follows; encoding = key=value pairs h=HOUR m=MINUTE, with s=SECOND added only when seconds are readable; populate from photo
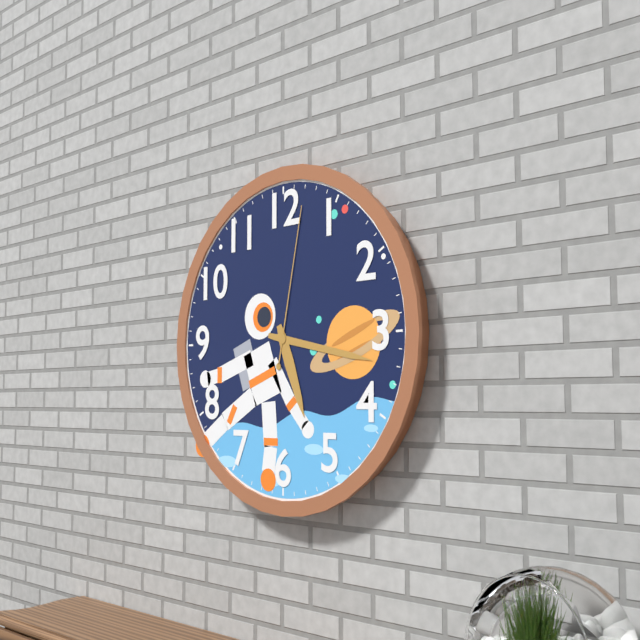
h=5 m=17 s=2
